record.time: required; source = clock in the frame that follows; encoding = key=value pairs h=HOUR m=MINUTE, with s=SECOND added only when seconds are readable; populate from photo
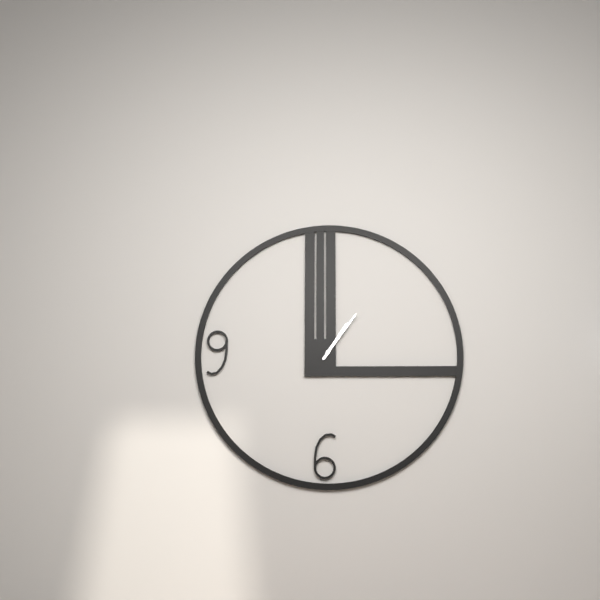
h=1 m=6
